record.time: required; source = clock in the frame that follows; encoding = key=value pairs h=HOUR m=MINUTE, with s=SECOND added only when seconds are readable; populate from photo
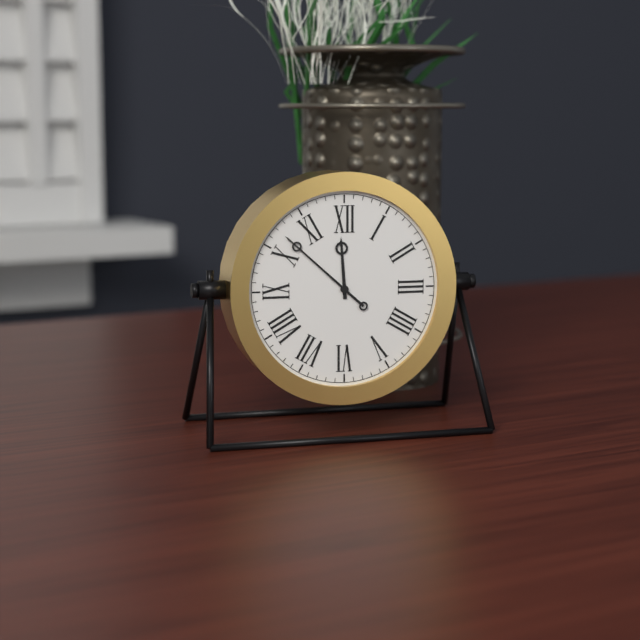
h=11 m=52
